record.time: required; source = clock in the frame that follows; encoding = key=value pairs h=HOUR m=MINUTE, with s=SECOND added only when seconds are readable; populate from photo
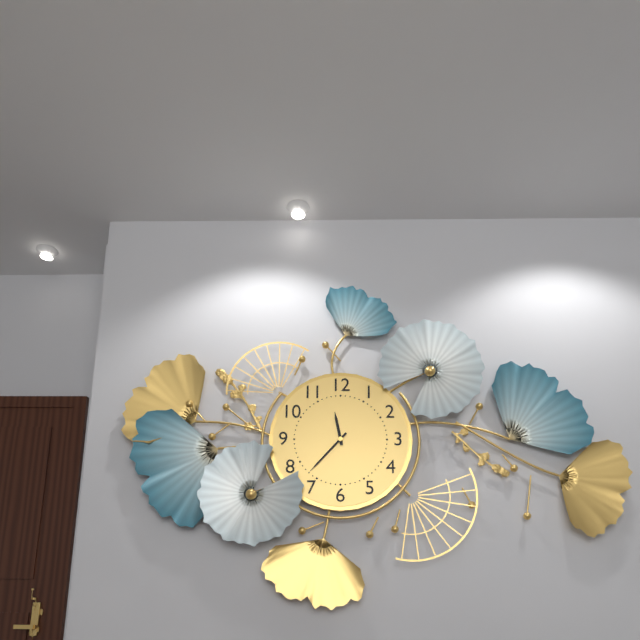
h=11 m=37
